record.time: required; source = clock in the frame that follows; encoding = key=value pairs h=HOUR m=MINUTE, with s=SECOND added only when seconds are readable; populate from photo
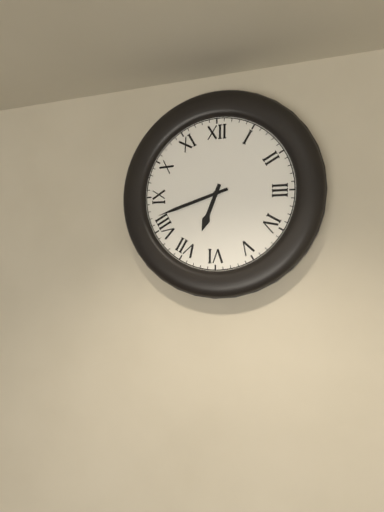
h=6 m=42
